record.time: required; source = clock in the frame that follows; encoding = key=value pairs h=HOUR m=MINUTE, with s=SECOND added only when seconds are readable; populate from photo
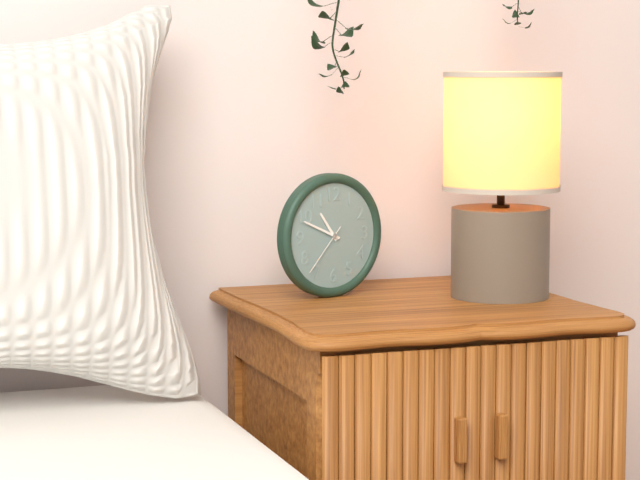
h=10 m=49 s=37
